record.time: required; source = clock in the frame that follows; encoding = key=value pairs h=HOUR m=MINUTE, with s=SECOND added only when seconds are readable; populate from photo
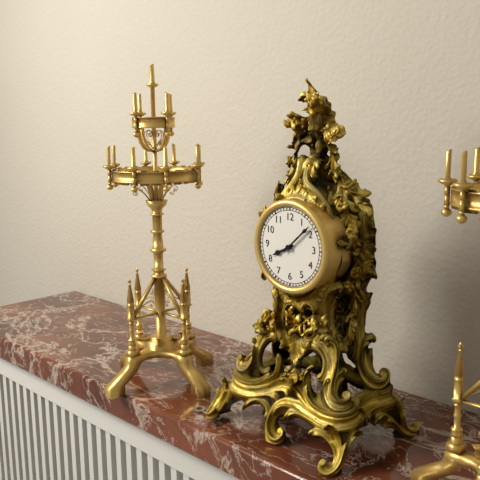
h=8 m=8
